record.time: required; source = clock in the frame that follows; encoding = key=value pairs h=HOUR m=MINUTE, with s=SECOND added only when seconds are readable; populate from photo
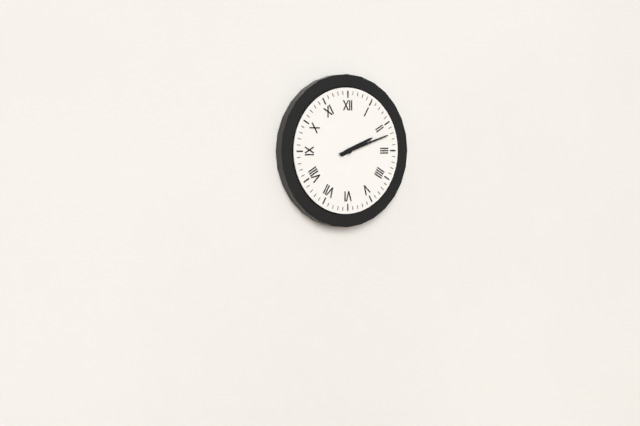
h=2 m=12
